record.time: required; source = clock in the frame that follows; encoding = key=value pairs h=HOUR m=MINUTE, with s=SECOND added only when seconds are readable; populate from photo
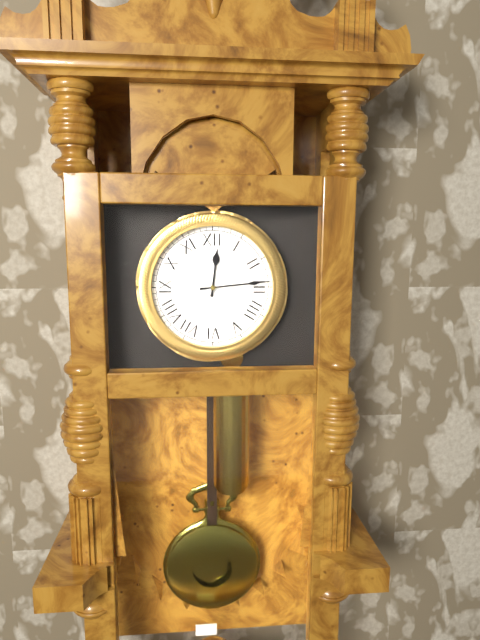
h=12 m=14
